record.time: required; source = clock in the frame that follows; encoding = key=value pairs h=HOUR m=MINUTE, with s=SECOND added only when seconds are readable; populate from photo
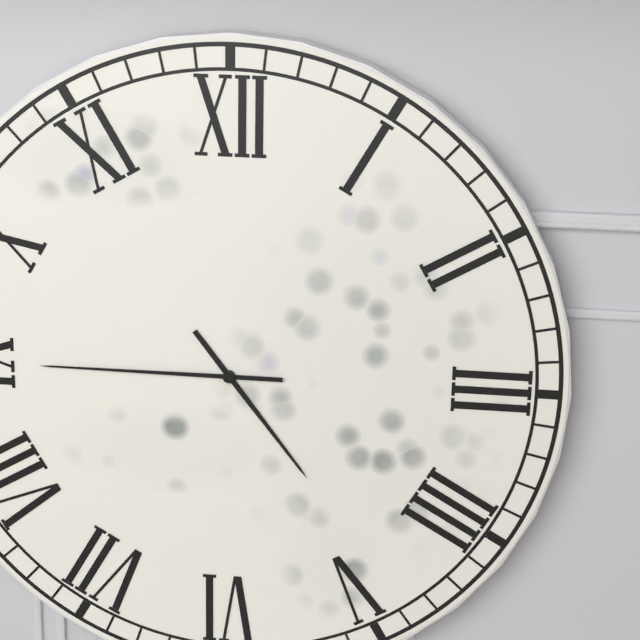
h=4 m=45
